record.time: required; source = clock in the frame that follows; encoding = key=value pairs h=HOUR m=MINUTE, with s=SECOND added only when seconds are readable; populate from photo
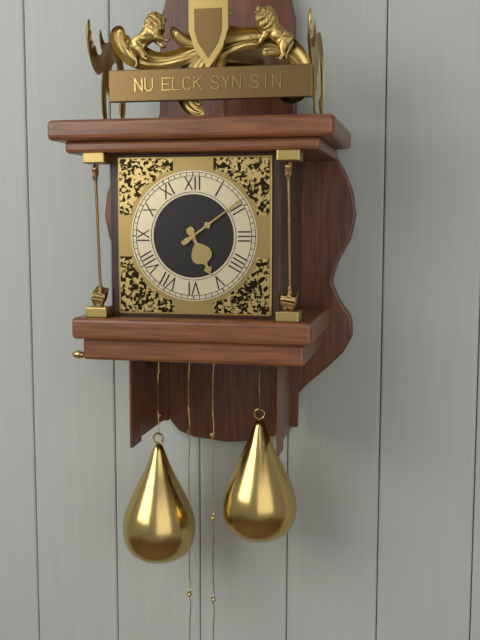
h=5 m=9
